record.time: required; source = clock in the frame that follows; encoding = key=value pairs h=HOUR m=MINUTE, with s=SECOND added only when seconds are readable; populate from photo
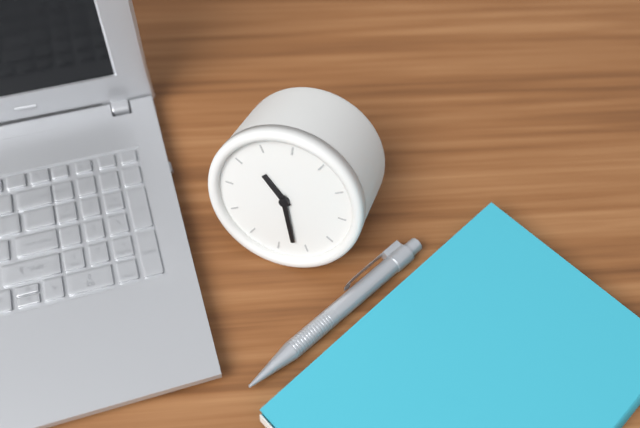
h=10 m=27
